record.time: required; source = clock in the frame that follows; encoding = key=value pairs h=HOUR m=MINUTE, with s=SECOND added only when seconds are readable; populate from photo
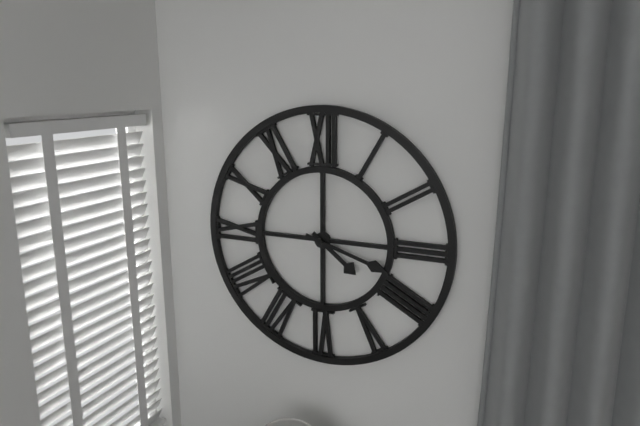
h=4 m=18
